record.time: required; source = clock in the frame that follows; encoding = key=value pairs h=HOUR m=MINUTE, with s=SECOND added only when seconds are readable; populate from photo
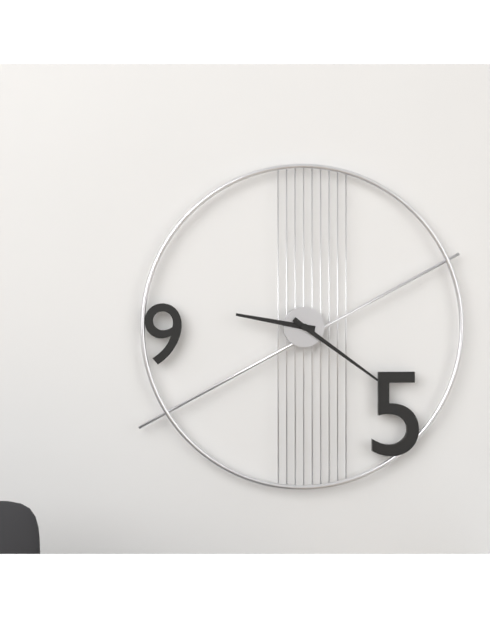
h=9 m=21
